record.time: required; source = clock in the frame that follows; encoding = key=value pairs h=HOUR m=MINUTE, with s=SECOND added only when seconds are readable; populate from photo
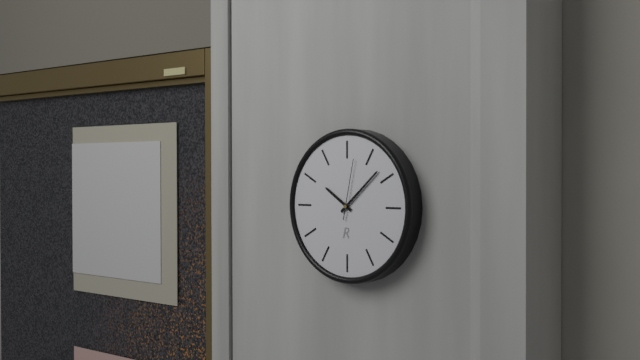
h=10 m=8 s=2
